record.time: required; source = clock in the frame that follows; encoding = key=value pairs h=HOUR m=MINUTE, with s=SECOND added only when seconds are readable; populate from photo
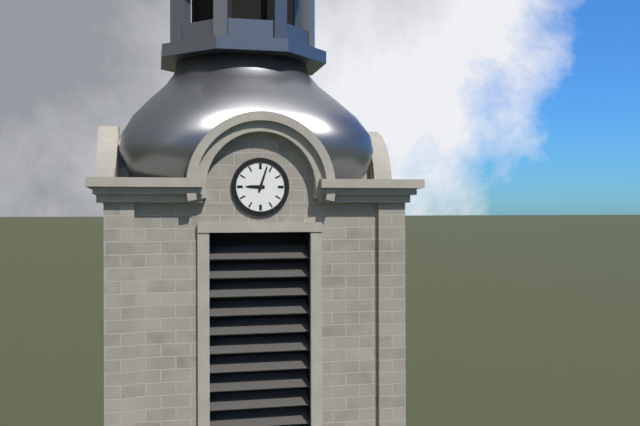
h=9 m=3
